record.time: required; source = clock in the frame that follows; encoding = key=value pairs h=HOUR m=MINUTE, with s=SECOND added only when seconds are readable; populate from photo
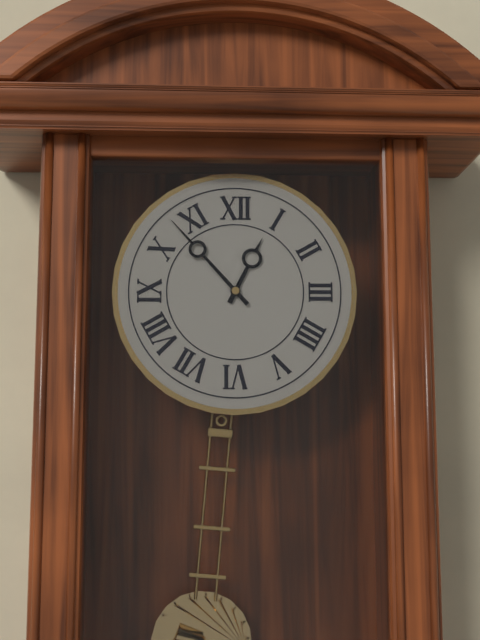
h=12 m=53
